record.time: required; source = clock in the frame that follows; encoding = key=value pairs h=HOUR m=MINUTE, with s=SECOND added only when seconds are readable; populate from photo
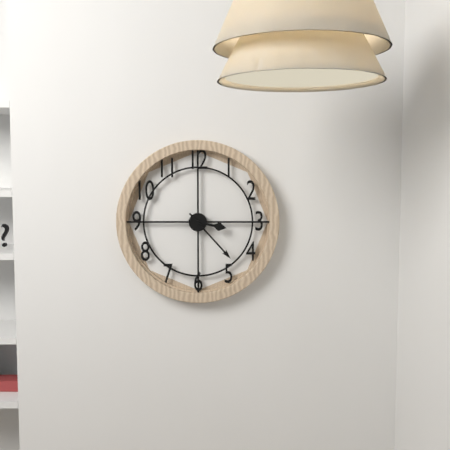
h=3 m=23
